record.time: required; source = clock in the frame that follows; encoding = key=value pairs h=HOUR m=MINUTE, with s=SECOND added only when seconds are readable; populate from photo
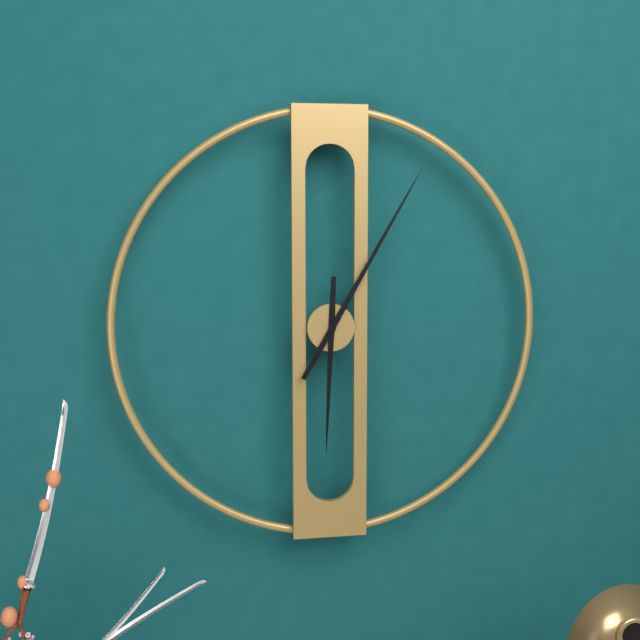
h=6 m=5
